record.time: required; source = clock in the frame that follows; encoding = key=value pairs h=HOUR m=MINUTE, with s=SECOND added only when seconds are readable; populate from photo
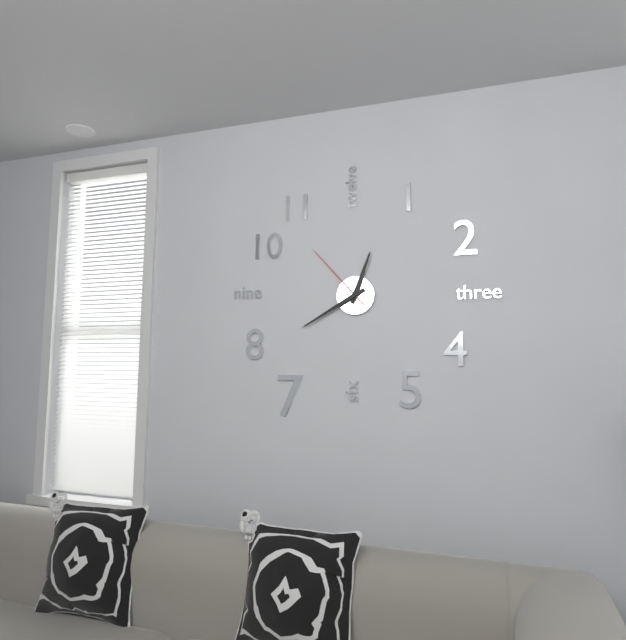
h=12 m=40 s=53
